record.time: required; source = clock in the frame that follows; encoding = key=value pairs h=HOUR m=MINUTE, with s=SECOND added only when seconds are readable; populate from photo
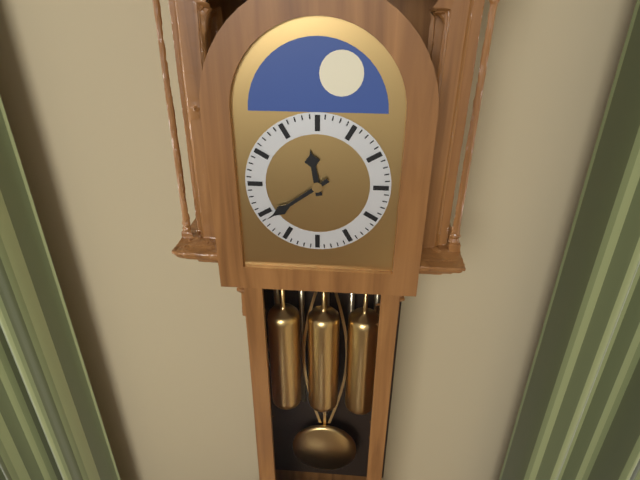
h=11 m=39
